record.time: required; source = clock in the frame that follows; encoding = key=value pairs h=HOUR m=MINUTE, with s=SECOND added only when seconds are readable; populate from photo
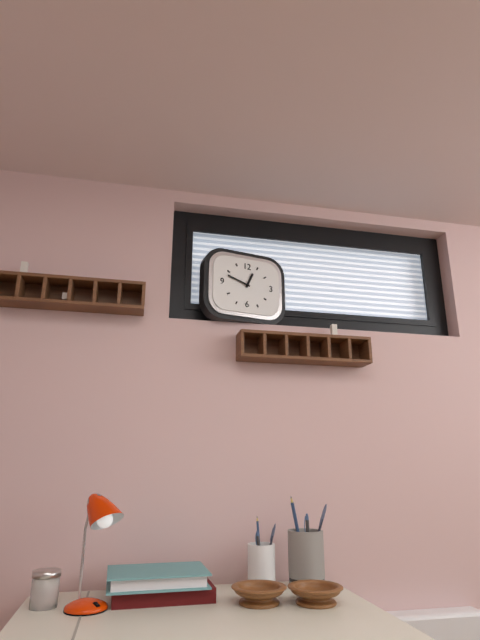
h=12 m=48
